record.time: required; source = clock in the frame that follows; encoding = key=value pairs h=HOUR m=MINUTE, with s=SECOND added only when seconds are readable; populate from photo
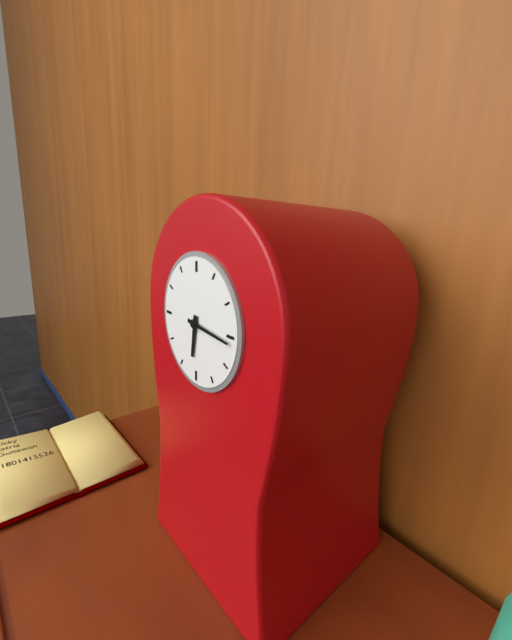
h=6 m=16
